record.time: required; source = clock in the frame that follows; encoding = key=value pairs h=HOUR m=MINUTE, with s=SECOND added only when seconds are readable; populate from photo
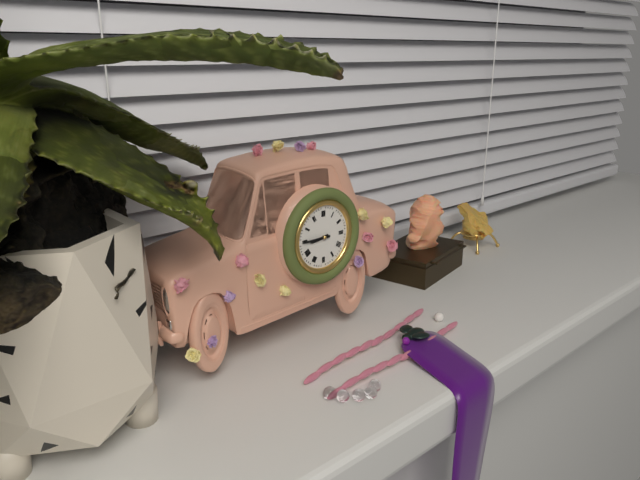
h=8 m=45
